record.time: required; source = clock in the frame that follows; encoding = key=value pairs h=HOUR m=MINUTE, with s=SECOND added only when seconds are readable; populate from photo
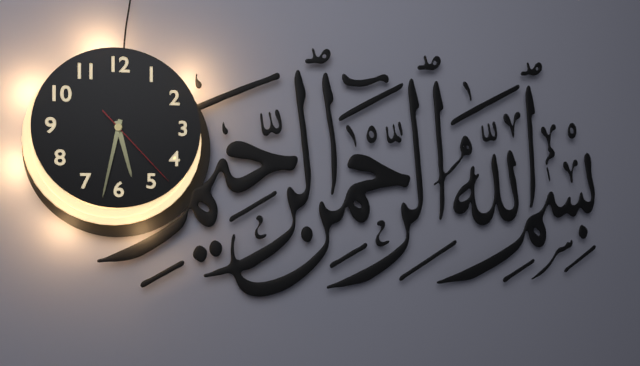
h=5 m=32 s=23
